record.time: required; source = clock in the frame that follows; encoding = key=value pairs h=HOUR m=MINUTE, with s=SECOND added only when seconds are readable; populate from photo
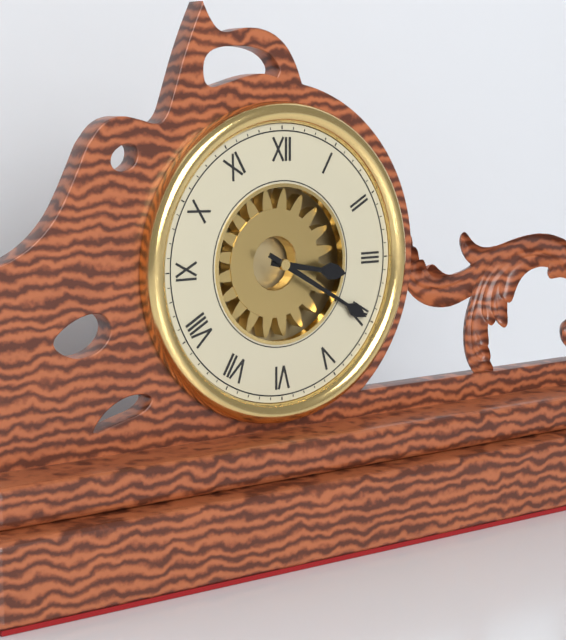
h=3 m=20
